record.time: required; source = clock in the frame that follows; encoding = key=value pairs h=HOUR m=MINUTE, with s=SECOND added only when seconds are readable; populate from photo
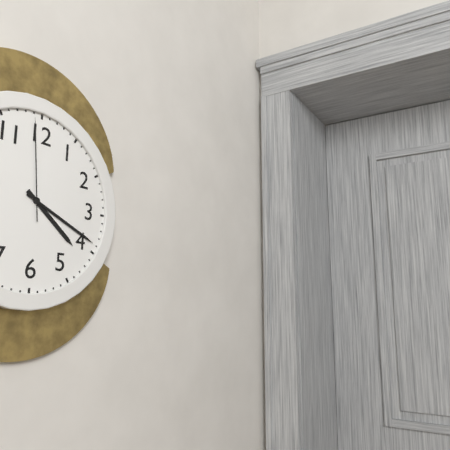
h=4 m=19 s=59
